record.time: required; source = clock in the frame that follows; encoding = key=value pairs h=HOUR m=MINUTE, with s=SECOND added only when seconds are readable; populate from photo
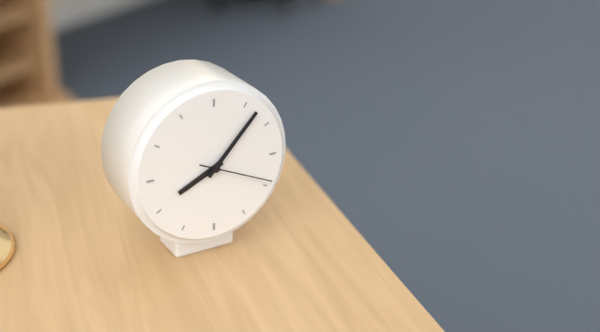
h=8 m=7 s=19
